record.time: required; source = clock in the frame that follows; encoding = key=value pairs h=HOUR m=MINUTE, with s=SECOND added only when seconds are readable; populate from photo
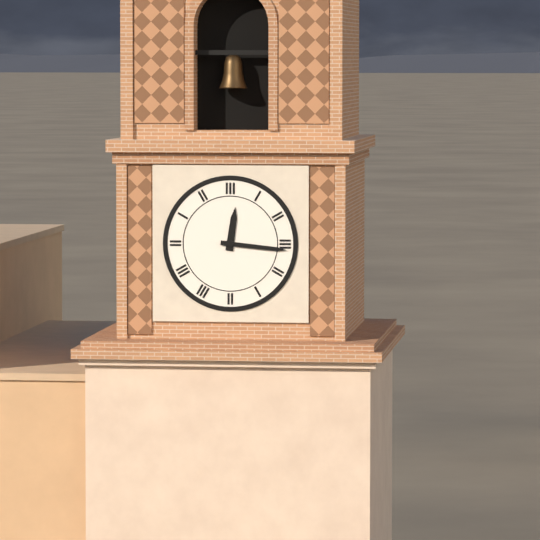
h=12 m=16
